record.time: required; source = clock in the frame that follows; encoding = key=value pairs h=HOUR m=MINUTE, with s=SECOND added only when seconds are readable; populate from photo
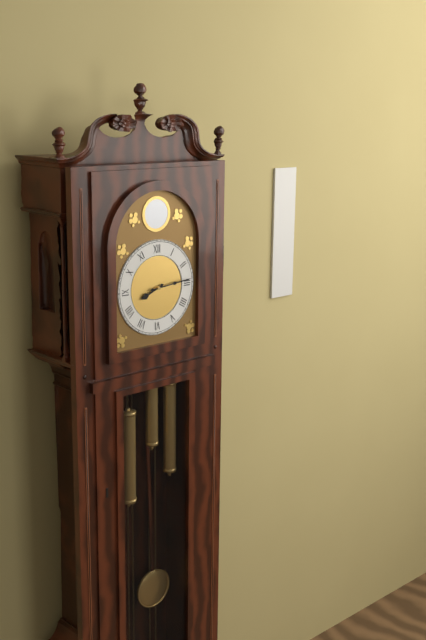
h=8 m=14
